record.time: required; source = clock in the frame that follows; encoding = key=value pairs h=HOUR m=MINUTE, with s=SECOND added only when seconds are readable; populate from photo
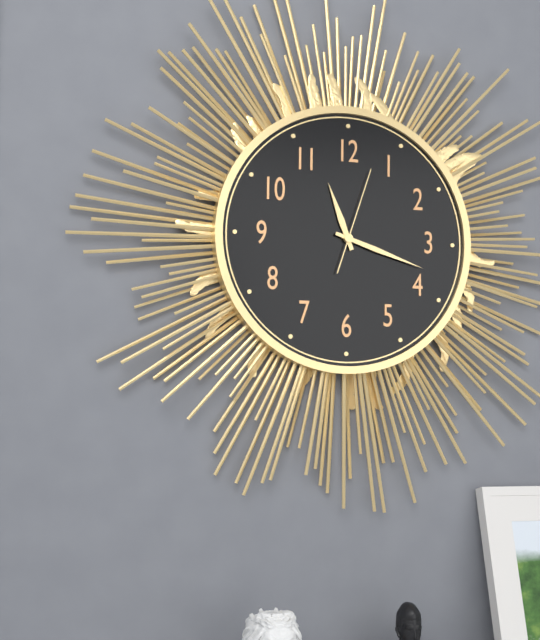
h=11 m=18 s=3
